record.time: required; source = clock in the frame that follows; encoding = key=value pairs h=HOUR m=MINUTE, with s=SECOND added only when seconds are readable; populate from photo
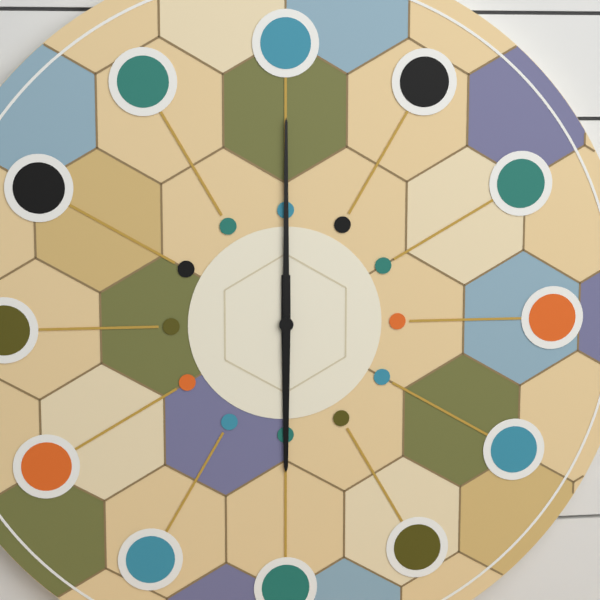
h=6 m=0
